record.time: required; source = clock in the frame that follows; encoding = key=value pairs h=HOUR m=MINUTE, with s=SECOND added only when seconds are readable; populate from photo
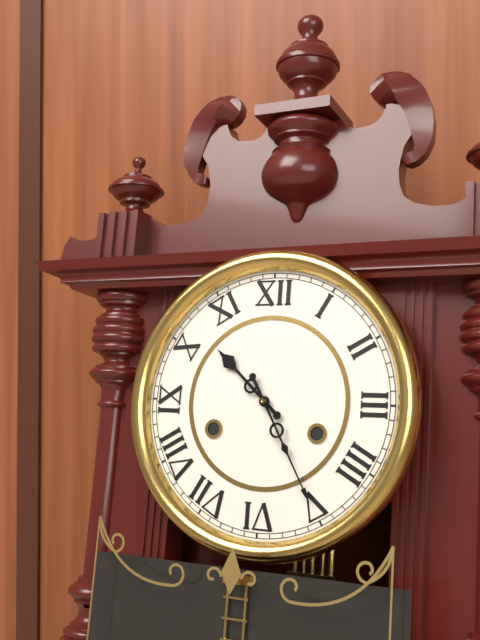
h=10 m=25
